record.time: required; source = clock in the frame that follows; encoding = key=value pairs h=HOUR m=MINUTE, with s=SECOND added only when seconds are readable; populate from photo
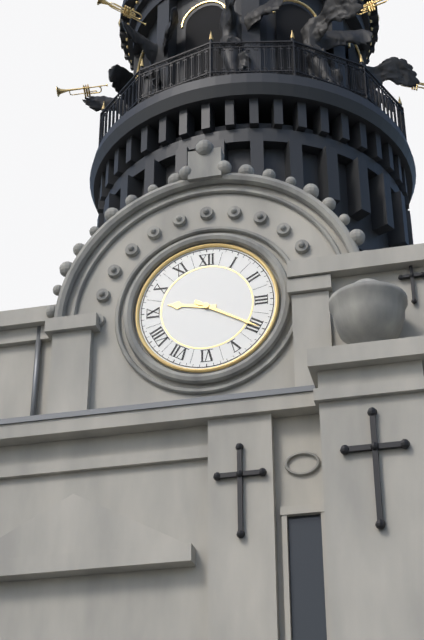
h=9 m=20
